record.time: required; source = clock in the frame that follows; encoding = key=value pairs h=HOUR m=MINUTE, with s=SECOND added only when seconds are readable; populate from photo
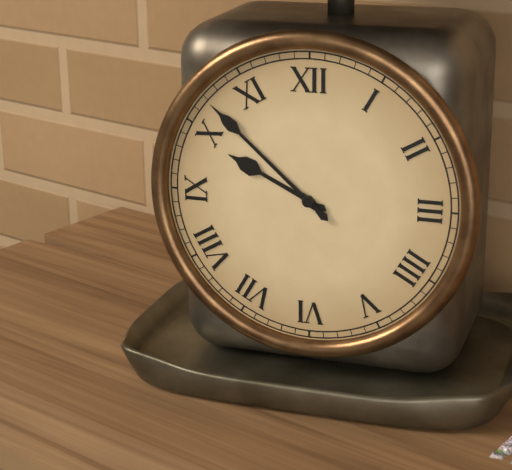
h=9 m=52
